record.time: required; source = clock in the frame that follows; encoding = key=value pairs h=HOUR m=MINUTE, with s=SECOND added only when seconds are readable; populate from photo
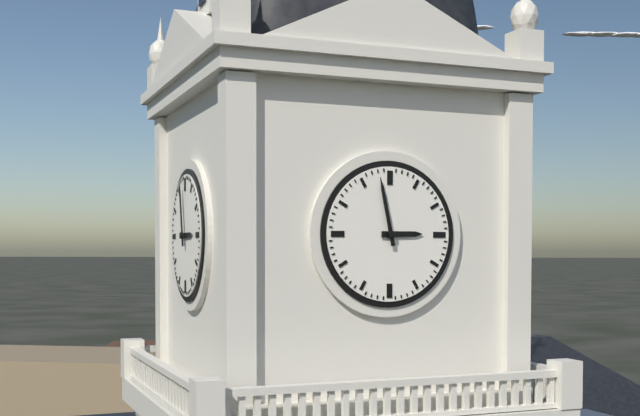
h=2 m=58
